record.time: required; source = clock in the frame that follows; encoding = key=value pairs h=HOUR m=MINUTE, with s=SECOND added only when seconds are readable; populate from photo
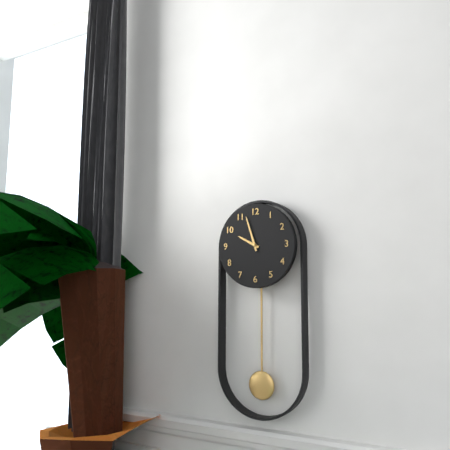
h=9 m=57
